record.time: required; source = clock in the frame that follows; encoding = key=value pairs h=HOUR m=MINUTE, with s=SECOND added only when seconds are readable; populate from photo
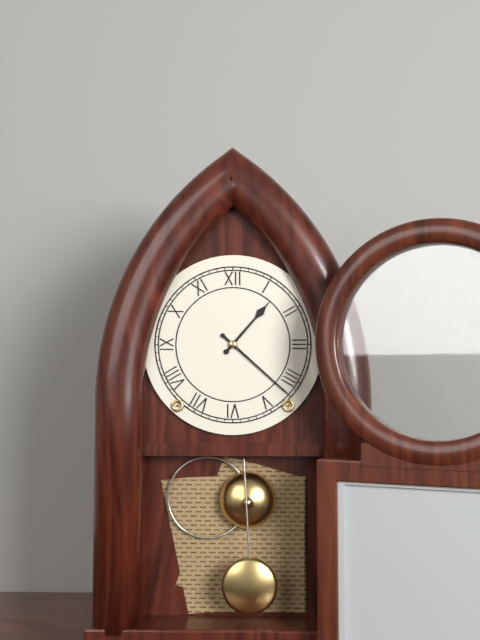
h=1 m=22
